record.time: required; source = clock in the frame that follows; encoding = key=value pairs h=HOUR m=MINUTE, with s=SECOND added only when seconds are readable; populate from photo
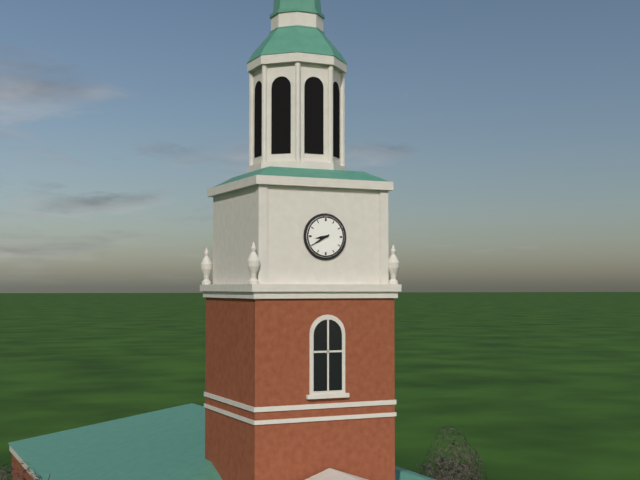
h=8 m=40
